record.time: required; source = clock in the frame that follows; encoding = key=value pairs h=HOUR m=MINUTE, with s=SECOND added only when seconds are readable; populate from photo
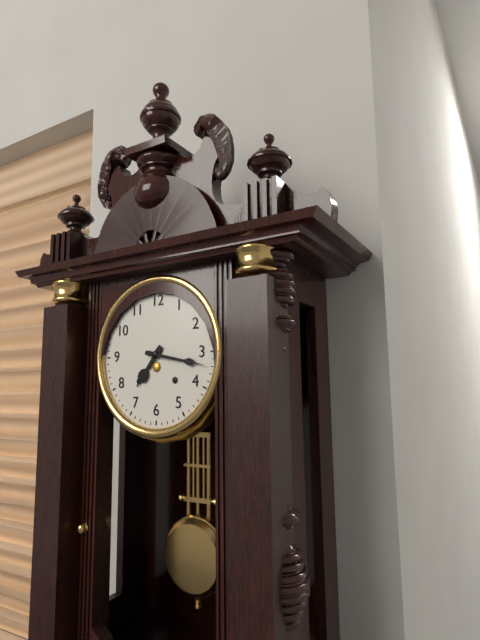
h=7 m=17
